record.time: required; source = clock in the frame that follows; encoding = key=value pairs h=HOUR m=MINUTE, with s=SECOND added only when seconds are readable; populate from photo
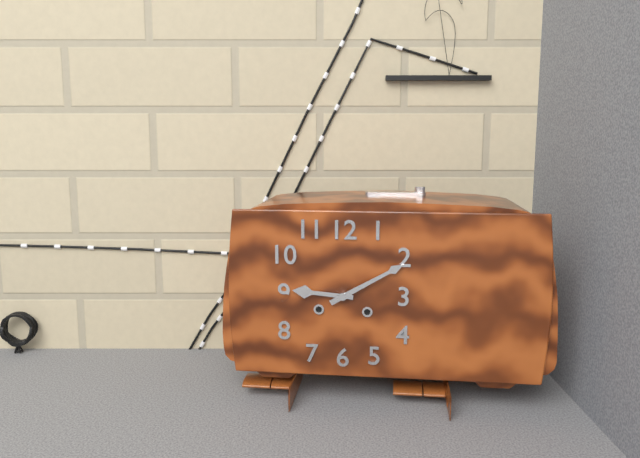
h=9 m=10
